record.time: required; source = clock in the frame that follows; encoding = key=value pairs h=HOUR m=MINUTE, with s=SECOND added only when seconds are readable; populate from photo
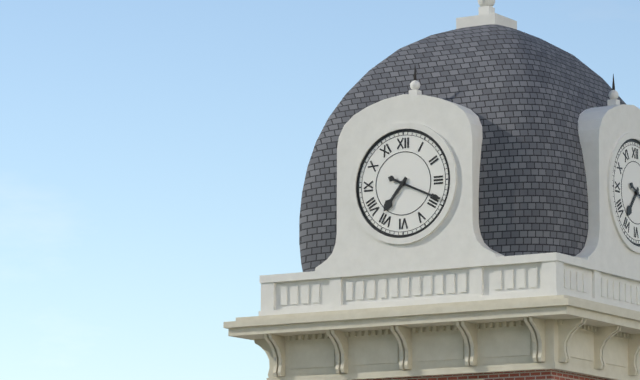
h=7 m=19
